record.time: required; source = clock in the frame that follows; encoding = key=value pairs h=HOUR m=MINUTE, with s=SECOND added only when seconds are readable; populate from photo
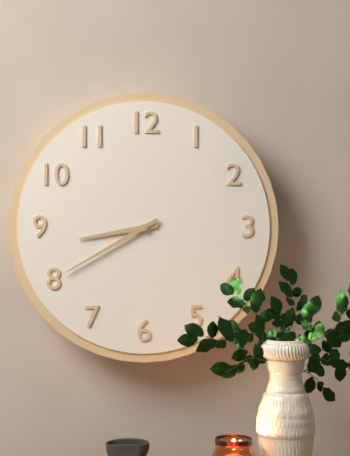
h=8 m=40
